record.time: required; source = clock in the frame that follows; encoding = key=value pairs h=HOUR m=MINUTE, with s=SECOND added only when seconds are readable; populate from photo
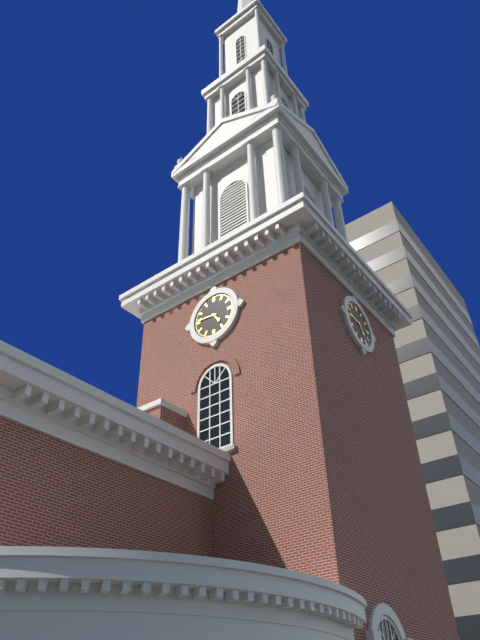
h=4 m=46
